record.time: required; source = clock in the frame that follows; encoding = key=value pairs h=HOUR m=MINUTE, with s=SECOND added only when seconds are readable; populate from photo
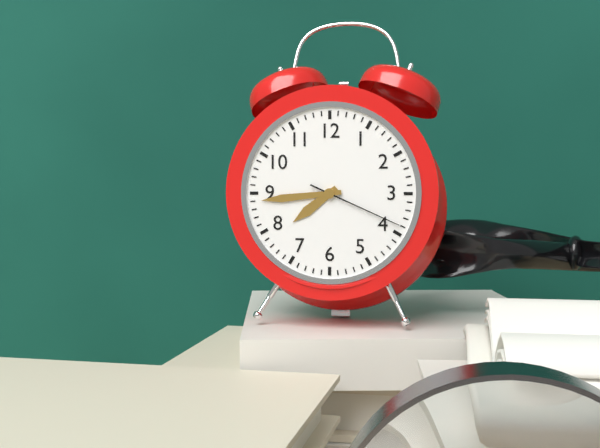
h=7 m=44 s=19
